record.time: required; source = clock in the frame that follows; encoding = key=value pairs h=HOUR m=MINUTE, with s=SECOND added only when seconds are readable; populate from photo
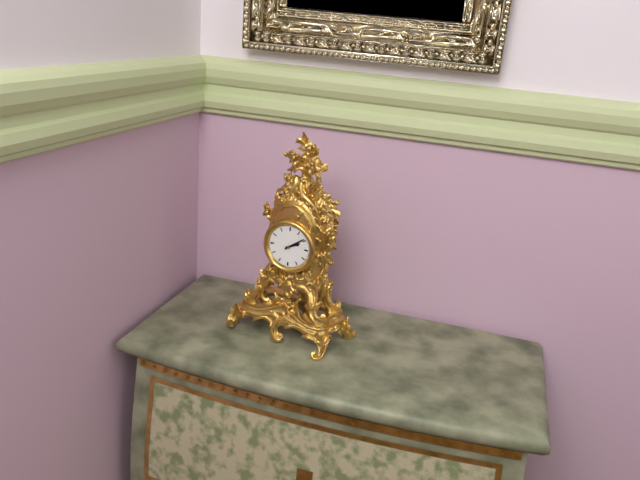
h=2 m=9
